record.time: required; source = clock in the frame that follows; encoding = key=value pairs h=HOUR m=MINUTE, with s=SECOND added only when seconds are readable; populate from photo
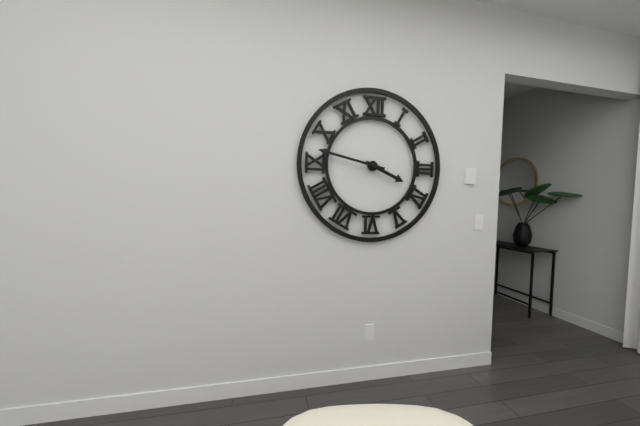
h=3 m=47
